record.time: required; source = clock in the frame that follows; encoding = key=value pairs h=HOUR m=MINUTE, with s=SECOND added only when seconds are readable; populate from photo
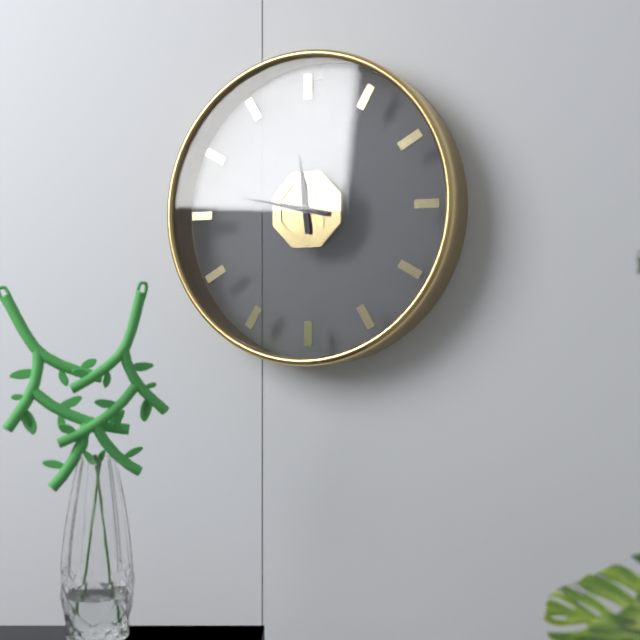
h=11 m=47
